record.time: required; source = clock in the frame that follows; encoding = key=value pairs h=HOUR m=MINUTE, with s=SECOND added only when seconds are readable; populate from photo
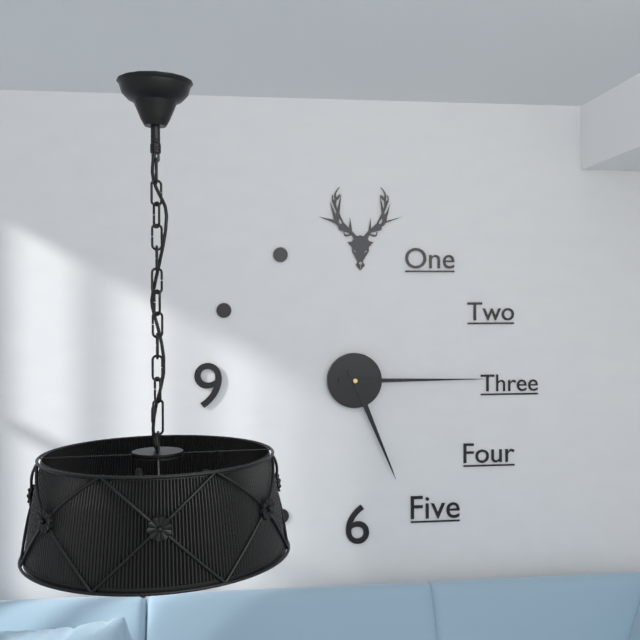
h=5 m=15
